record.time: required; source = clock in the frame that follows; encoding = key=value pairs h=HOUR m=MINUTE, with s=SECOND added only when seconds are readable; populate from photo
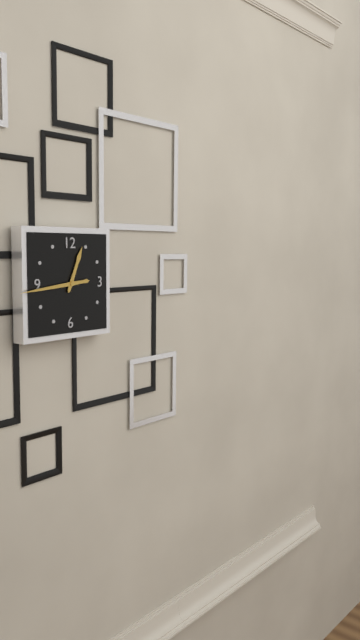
h=12 m=44
